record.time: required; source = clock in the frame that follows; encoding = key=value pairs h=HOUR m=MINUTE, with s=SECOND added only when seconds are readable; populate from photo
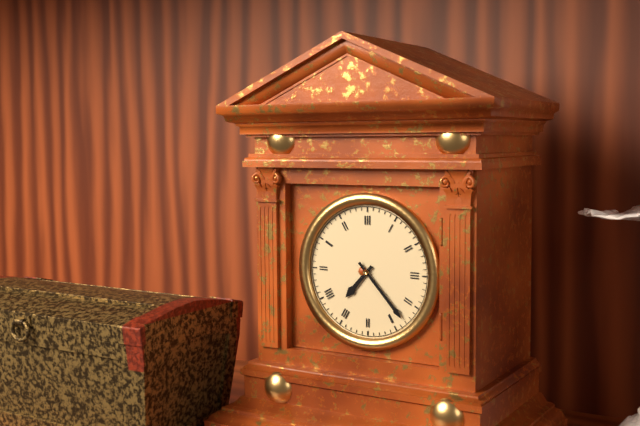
h=7 m=23
